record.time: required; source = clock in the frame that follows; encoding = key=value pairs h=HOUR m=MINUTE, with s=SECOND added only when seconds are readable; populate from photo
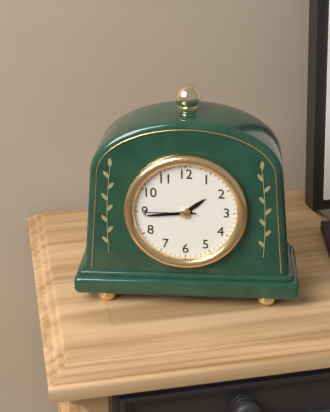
h=1 m=44 s=45
